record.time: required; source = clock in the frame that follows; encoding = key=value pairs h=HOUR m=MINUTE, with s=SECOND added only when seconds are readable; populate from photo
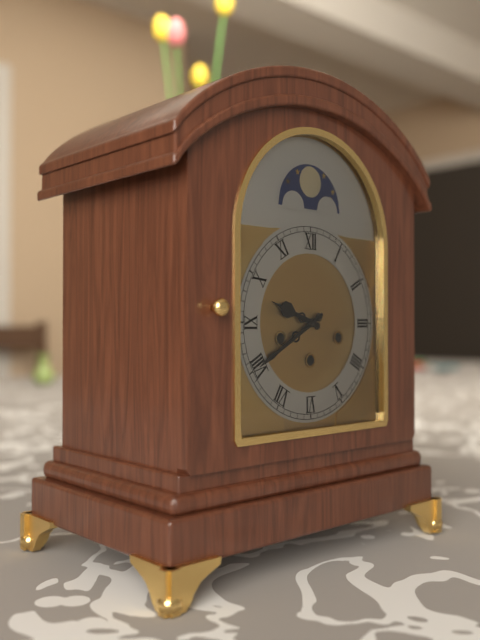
h=9 m=40
